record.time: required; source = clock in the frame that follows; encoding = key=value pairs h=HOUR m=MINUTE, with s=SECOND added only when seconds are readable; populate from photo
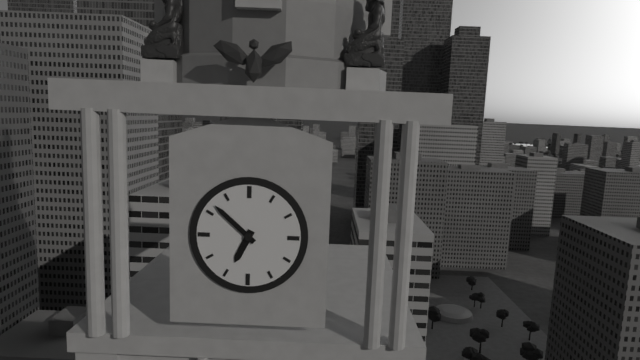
h=6 m=52
